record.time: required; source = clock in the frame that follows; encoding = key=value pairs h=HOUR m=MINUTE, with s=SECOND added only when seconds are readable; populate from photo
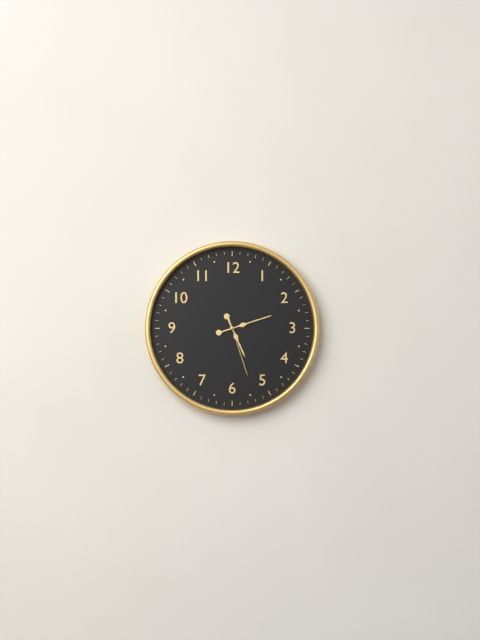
h=5 m=12 s=27
